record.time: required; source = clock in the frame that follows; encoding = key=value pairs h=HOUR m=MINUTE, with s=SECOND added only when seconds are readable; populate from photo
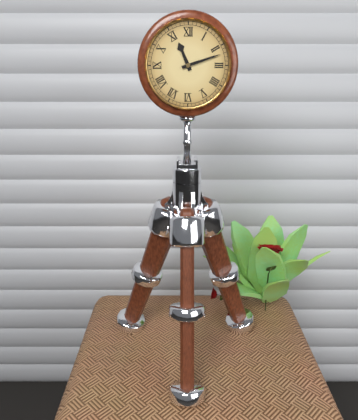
h=11 m=12
